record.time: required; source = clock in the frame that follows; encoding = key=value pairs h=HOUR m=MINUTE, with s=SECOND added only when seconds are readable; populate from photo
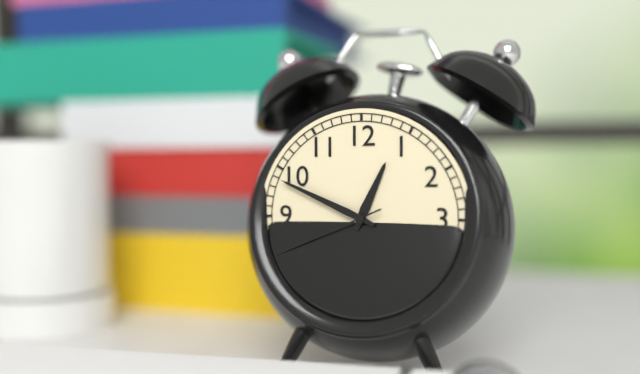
h=12 m=49 s=41
